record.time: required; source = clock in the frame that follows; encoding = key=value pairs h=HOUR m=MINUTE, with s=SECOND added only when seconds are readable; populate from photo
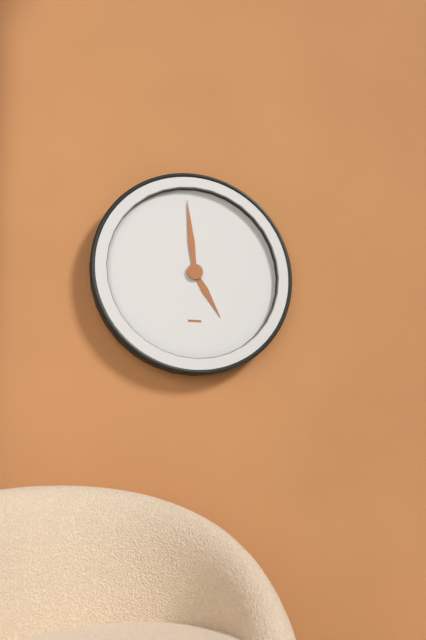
h=4 m=59
